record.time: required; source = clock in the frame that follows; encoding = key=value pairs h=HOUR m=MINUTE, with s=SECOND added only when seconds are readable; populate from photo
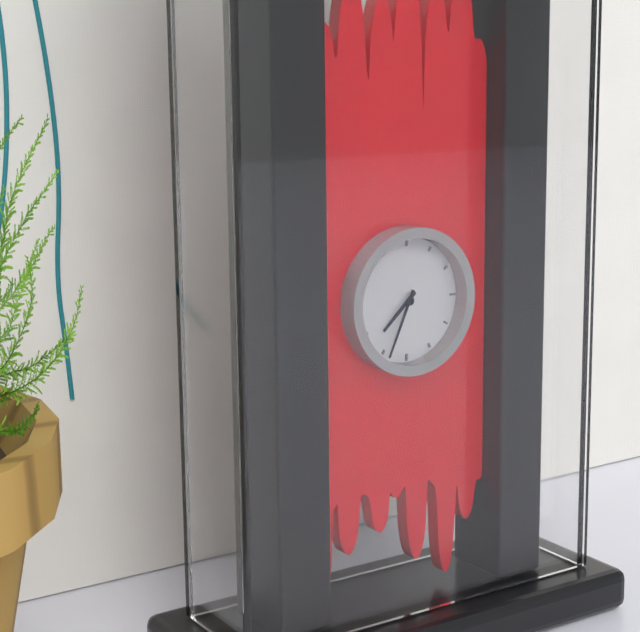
h=7 m=34
